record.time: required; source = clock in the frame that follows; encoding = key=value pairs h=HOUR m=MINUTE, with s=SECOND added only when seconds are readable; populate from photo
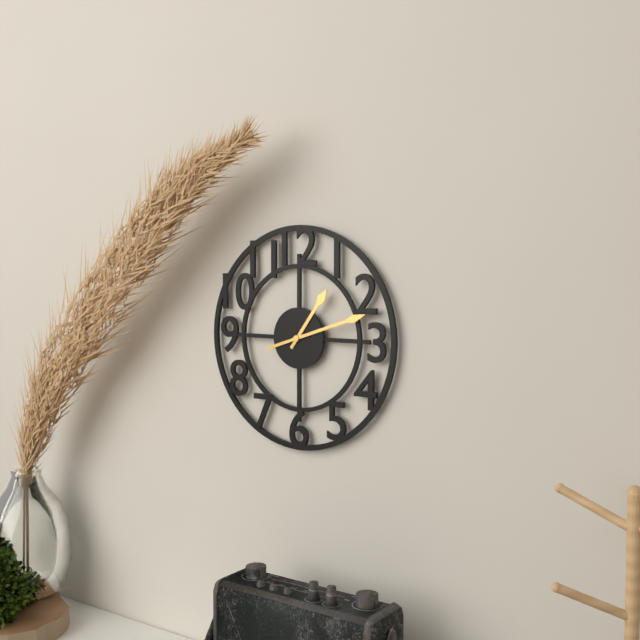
h=1 m=12
